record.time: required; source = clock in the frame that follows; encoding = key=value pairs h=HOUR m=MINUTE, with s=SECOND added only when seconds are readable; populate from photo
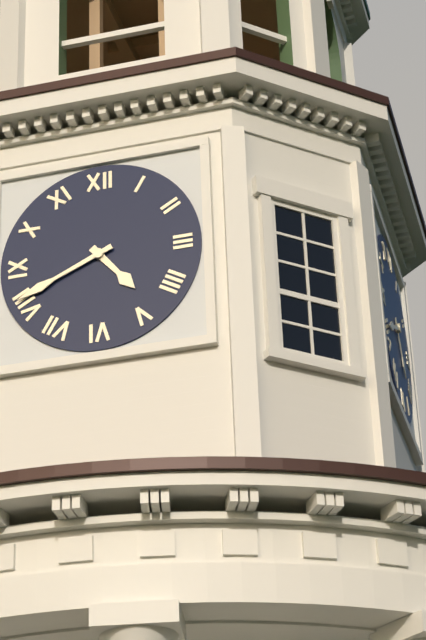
h=4 m=41
